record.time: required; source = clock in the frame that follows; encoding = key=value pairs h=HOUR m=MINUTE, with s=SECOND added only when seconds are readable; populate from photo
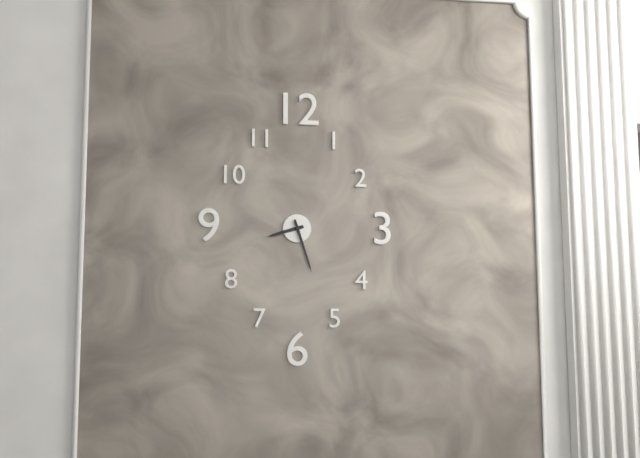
h=8 m=27
